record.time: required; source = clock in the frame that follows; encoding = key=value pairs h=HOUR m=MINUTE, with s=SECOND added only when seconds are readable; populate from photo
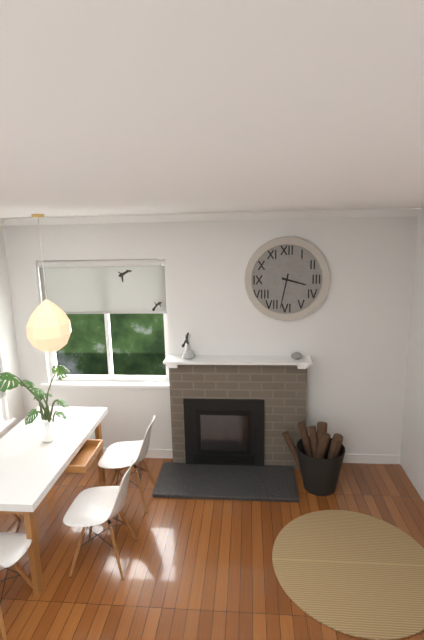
h=3 m=32
